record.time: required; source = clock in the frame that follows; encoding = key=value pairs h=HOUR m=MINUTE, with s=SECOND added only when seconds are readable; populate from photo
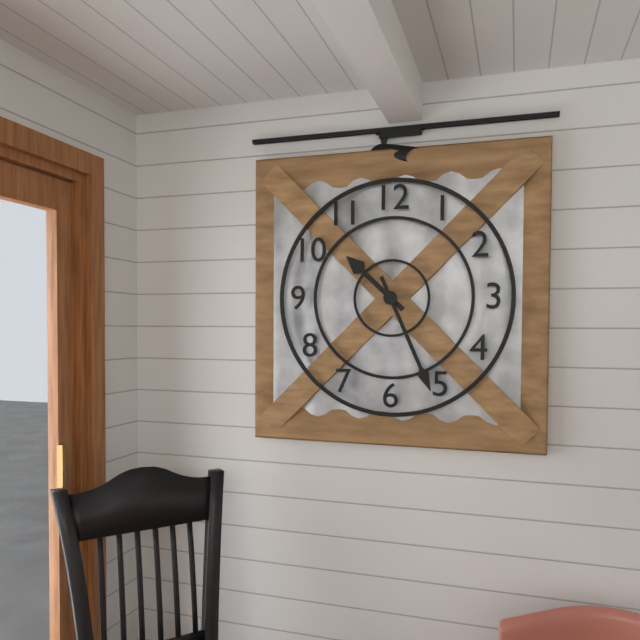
h=10 m=26
